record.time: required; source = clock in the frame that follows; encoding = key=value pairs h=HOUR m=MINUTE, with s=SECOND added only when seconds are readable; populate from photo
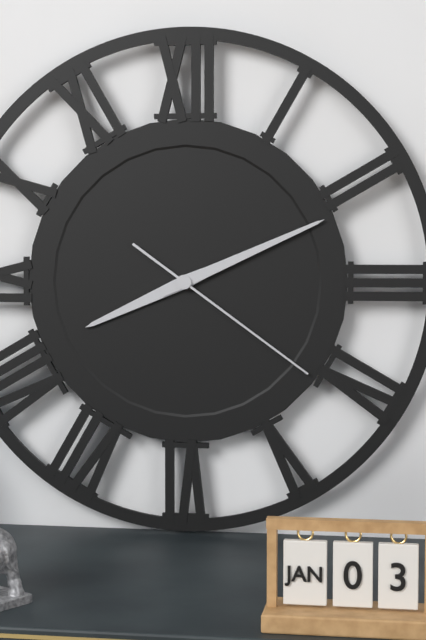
h=8 m=11 s=21
